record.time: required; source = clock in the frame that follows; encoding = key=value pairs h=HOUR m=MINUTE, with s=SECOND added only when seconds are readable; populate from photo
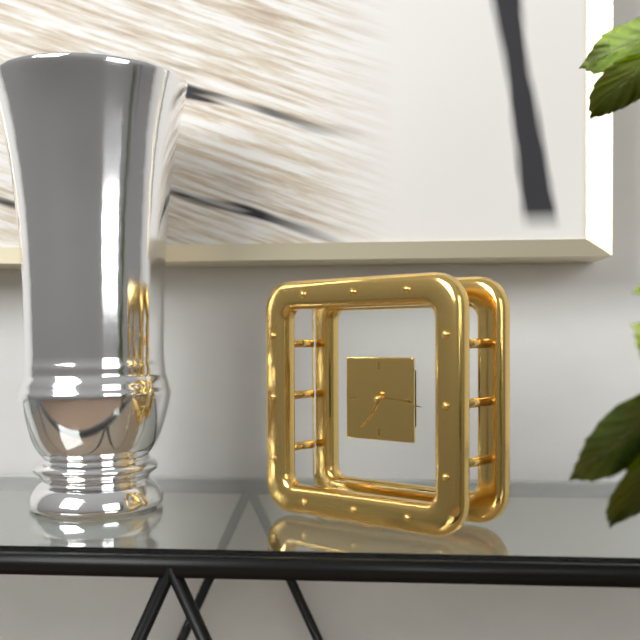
h=7 m=16
